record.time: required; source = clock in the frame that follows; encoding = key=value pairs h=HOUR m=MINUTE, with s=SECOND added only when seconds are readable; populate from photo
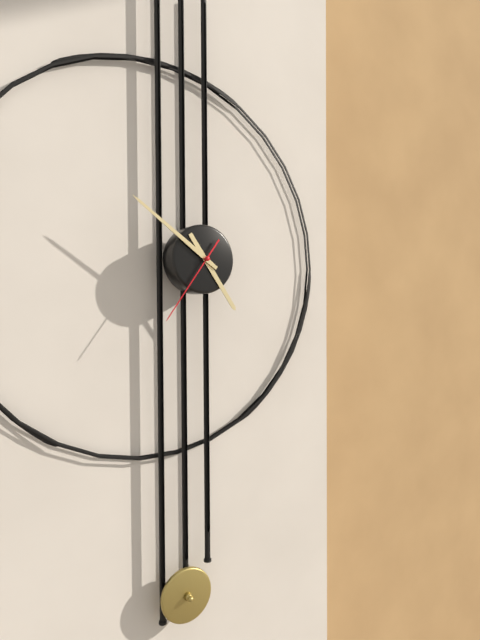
h=4 m=51 s=36
